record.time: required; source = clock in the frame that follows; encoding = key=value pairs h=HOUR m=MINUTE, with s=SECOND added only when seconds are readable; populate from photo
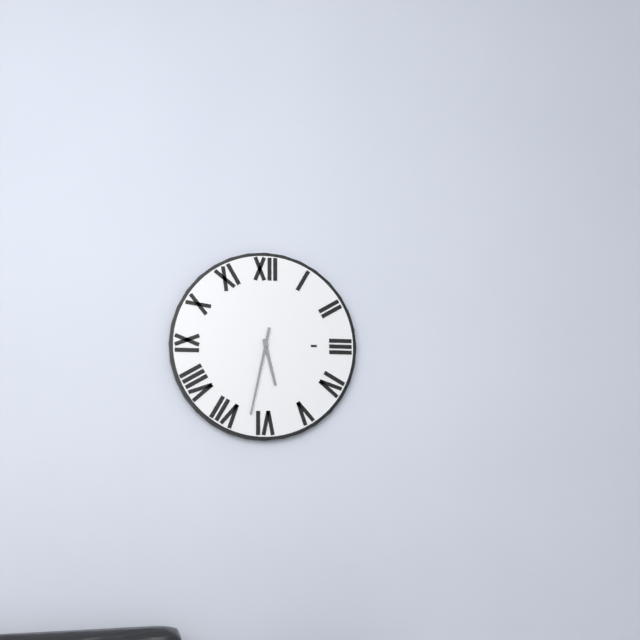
h=5 m=32
